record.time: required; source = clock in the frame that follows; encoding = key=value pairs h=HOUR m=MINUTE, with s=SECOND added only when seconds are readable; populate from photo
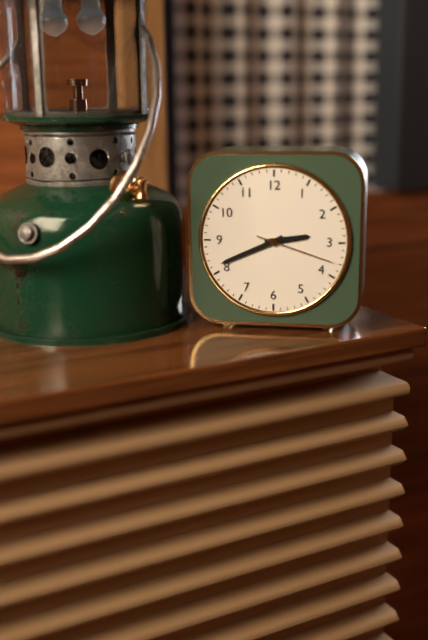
h=2 m=41 s=18
